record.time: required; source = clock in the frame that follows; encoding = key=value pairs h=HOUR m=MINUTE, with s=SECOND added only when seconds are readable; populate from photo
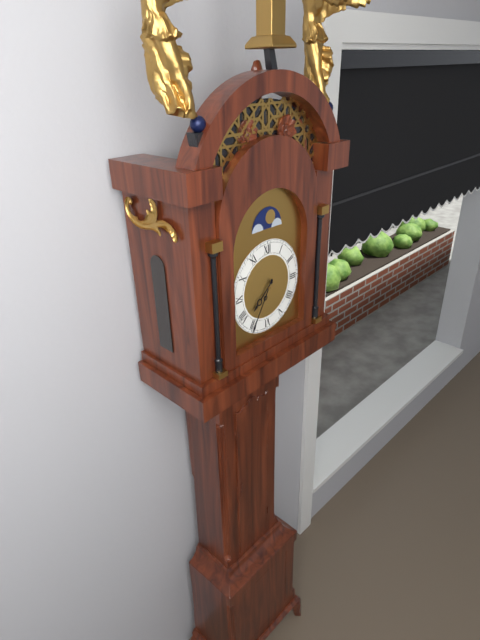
h=7 m=35
